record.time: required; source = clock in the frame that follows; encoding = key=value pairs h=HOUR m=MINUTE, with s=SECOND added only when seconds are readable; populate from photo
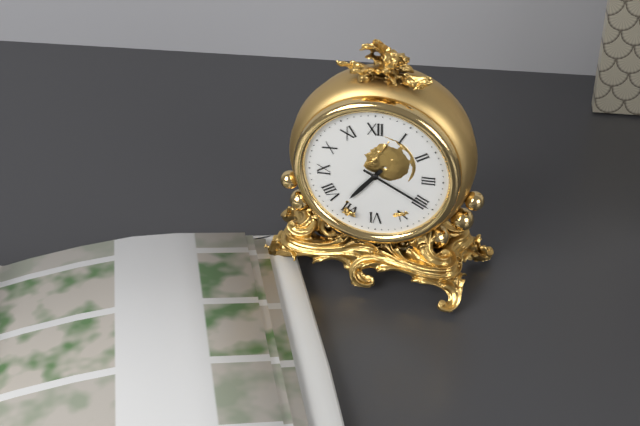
h=7 m=20
